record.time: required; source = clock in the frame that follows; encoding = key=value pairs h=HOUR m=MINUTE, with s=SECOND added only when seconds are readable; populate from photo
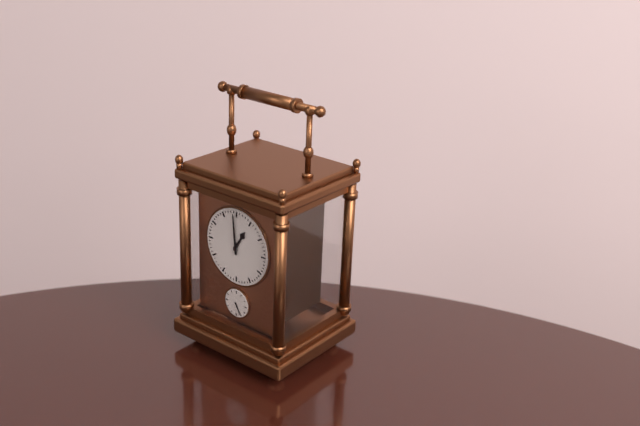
h=12 m=59
